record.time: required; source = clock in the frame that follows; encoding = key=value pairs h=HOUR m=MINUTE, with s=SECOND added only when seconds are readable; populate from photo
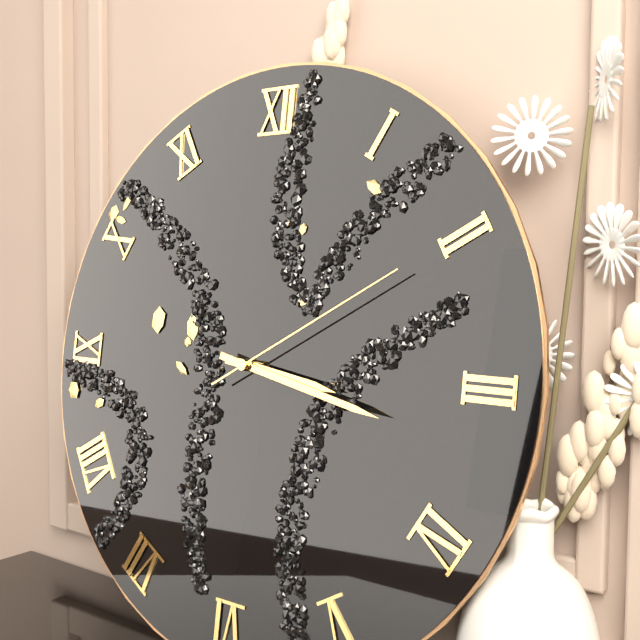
h=3 m=17 s=10
